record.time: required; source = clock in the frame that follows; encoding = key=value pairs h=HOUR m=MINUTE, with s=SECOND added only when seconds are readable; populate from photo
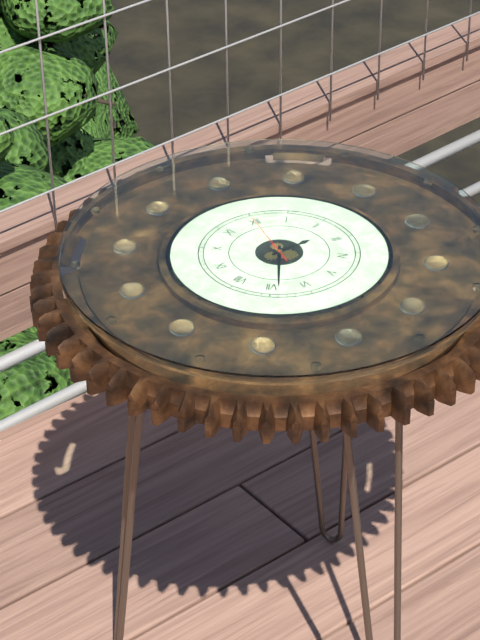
h=2 m=34 s=0
